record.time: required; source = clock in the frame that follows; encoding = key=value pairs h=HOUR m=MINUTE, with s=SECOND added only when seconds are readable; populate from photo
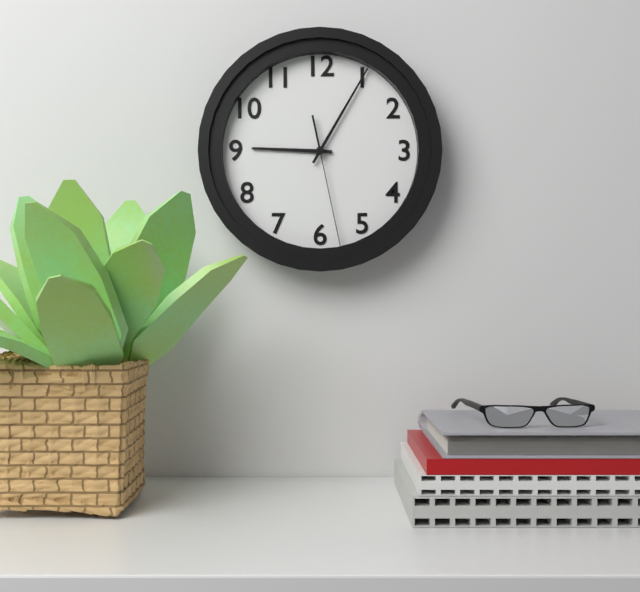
h=9 m=5 s=28
